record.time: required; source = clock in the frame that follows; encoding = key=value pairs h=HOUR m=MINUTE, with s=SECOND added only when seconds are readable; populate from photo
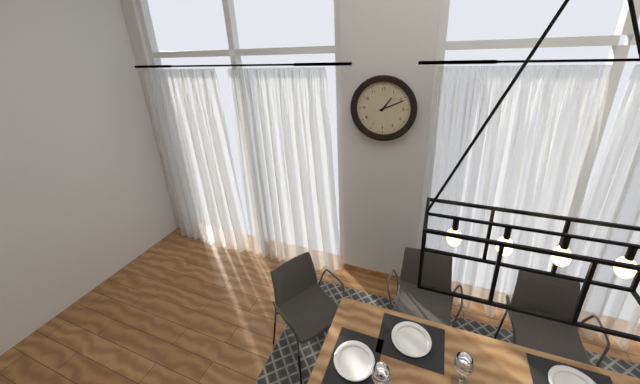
h=1 m=11
